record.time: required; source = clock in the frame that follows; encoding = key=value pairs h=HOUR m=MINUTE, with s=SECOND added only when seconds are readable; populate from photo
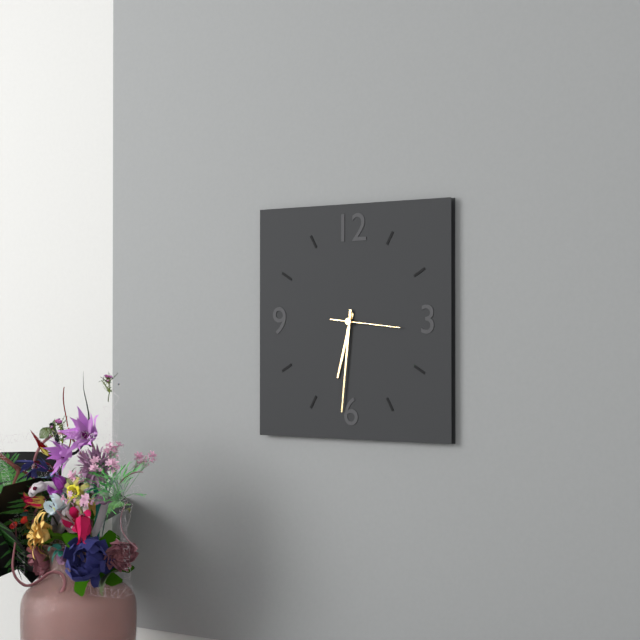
h=6 m=31 s=16
